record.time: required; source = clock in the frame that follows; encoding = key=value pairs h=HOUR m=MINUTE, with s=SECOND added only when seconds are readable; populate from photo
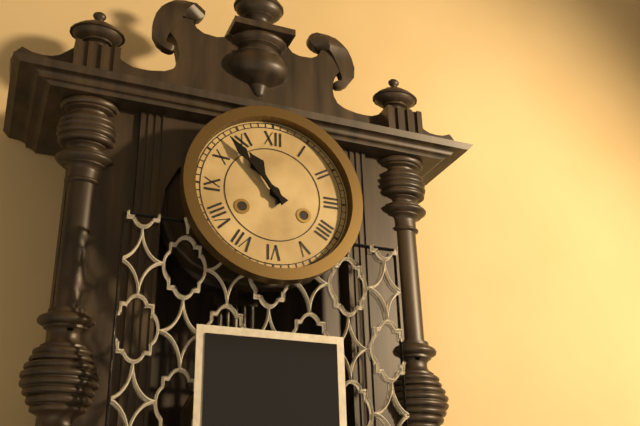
h=10 m=53
